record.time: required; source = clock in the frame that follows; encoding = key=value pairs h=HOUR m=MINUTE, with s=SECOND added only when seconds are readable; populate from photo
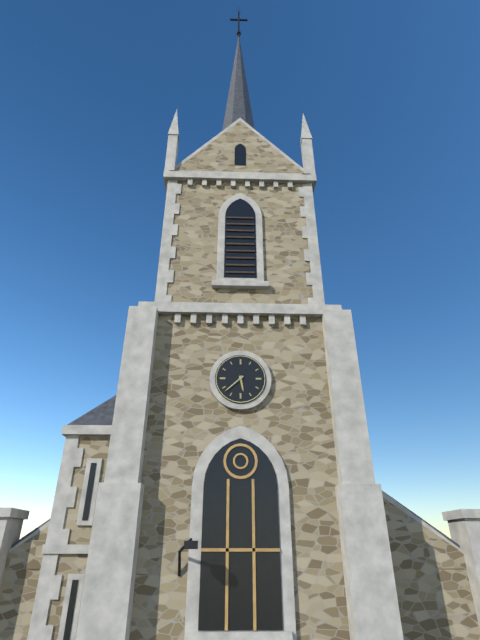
h=5 m=38
